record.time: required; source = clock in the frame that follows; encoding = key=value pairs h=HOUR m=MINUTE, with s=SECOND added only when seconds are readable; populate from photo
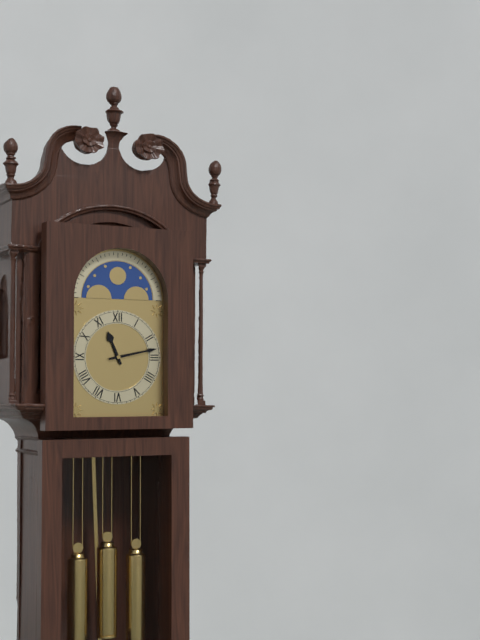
h=11 m=13
